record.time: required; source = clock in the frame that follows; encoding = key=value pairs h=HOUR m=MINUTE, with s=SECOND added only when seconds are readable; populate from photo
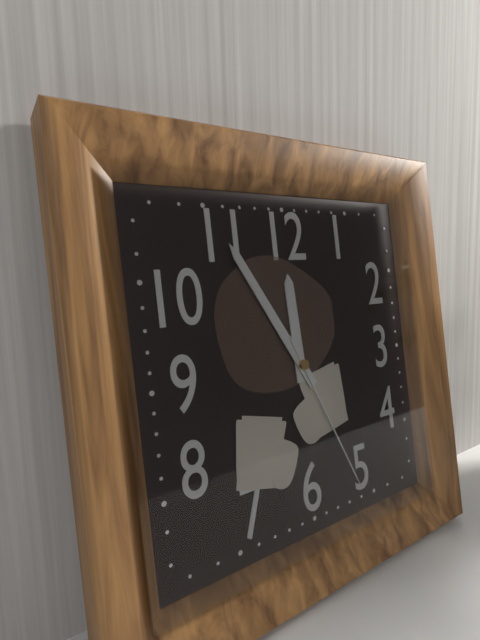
h=11 m=55 s=26
